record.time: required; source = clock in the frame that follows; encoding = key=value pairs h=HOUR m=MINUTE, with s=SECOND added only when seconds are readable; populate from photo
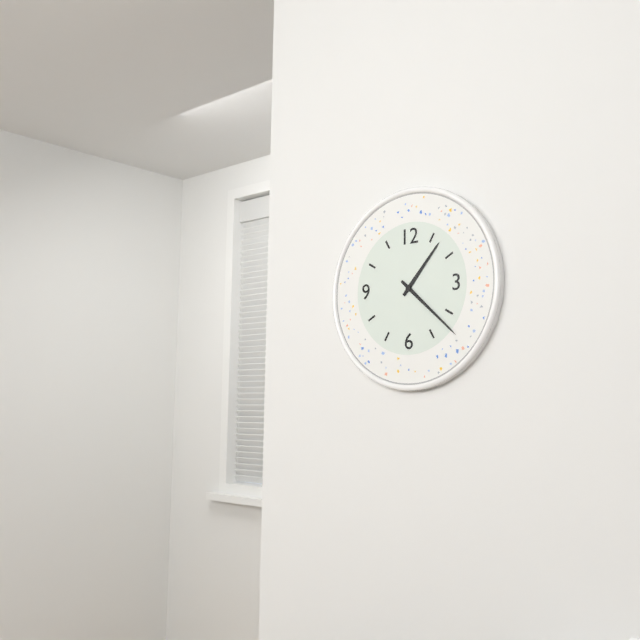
h=1 m=22
